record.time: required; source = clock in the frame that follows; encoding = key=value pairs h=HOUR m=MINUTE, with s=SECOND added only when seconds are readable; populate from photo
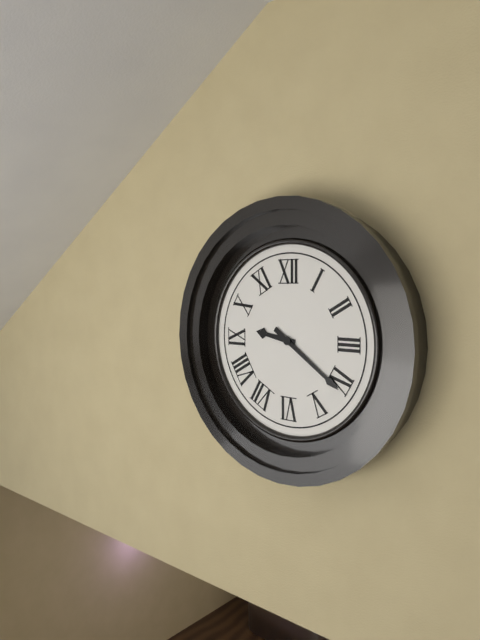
h=9 m=21
